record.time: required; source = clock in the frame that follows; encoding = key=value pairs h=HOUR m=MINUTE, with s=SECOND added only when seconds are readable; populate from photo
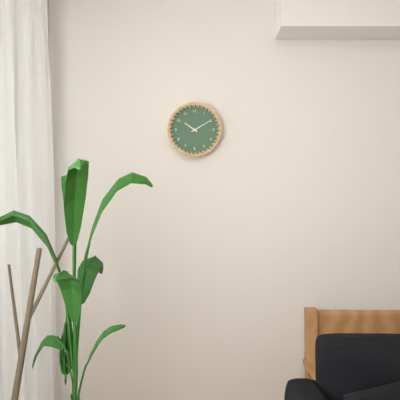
h=10 m=10
